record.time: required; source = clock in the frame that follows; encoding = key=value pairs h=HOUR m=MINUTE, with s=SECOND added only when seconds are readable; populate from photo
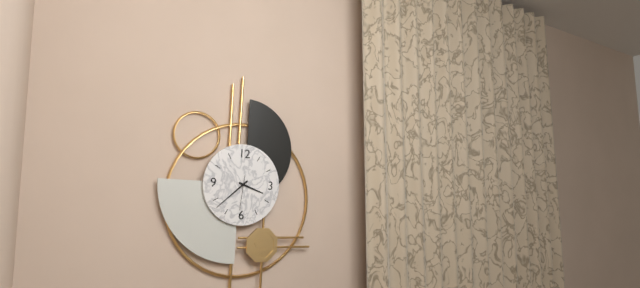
h=3 m=38
